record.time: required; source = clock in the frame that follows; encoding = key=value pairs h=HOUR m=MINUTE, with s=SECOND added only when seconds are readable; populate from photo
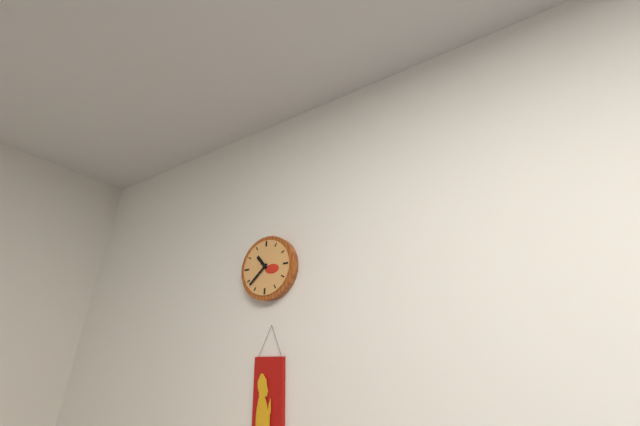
h=10 m=38
